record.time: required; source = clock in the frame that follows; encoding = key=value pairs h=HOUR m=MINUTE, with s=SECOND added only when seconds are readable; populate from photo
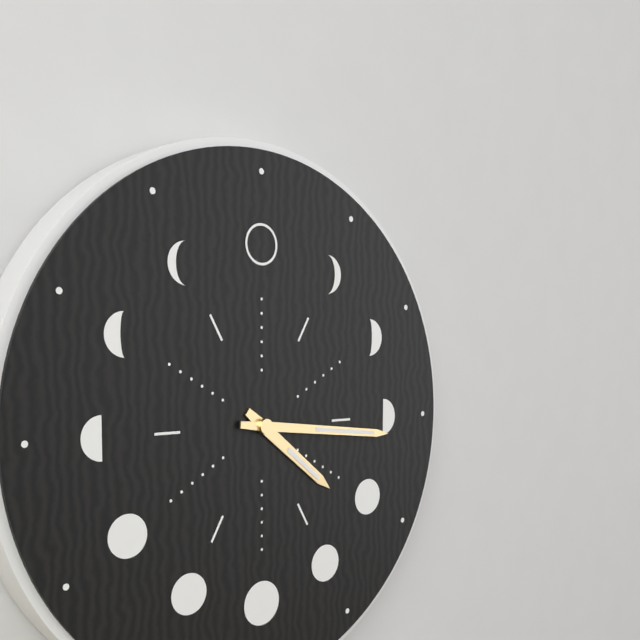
h=4 m=16
